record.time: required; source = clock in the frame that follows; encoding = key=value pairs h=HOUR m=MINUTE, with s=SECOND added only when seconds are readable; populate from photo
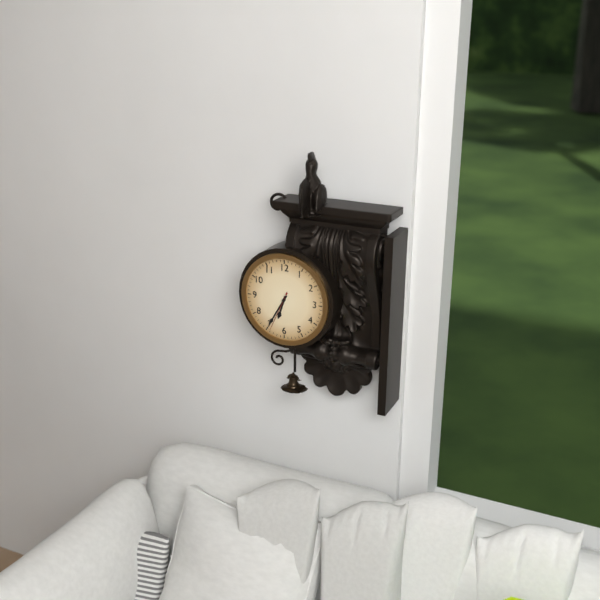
h=6 m=35
